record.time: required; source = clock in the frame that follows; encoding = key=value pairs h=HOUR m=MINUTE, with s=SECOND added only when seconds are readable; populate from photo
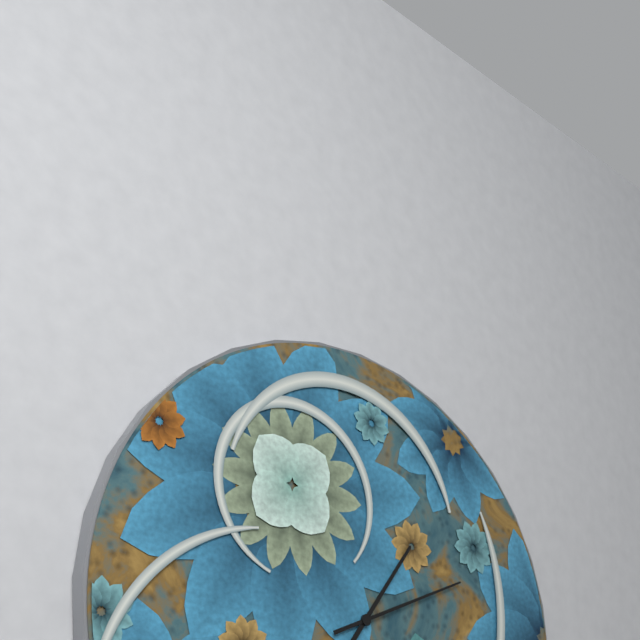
h=1 m=11
